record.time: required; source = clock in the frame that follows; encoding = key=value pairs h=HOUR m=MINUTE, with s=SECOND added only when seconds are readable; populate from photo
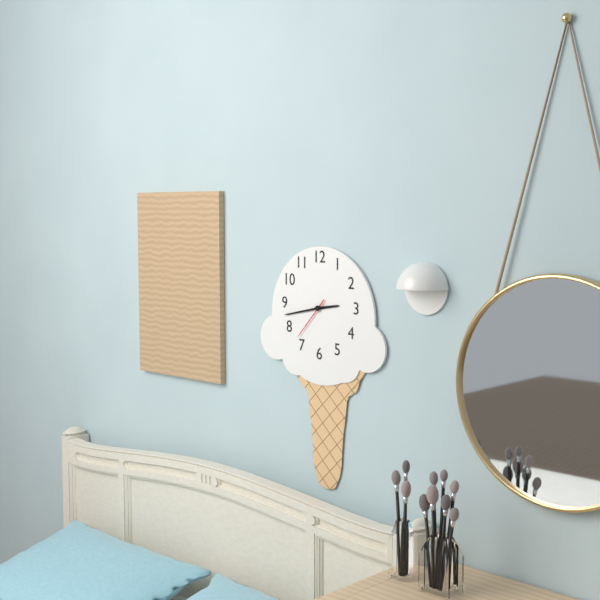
h=2 m=43
